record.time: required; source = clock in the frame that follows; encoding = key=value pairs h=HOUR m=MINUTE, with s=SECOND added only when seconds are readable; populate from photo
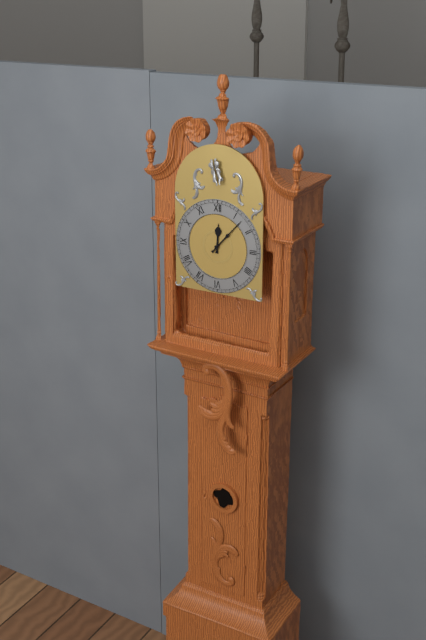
h=12 m=7
